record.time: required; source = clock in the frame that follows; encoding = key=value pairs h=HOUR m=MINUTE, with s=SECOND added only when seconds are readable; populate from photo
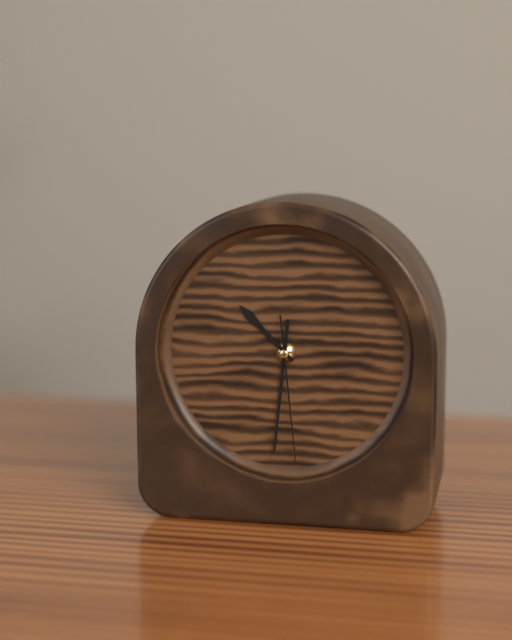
h=10 m=31 s=29
